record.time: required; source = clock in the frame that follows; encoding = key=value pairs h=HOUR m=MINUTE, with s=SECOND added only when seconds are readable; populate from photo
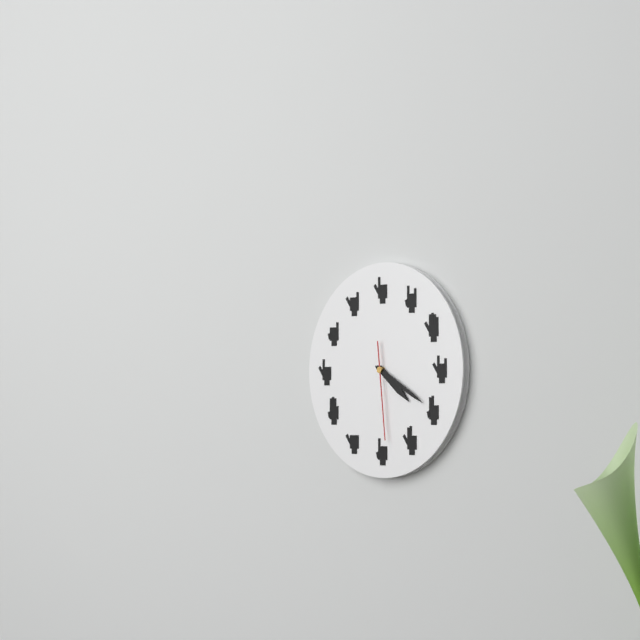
h=4 m=20 s=29
